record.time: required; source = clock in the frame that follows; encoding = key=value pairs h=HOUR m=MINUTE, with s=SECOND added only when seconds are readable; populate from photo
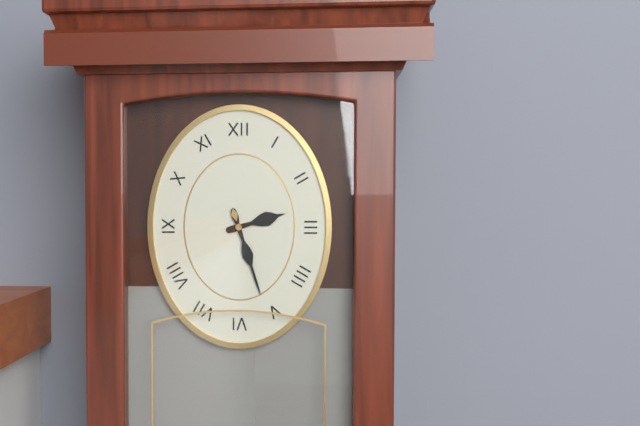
h=2 m=27
